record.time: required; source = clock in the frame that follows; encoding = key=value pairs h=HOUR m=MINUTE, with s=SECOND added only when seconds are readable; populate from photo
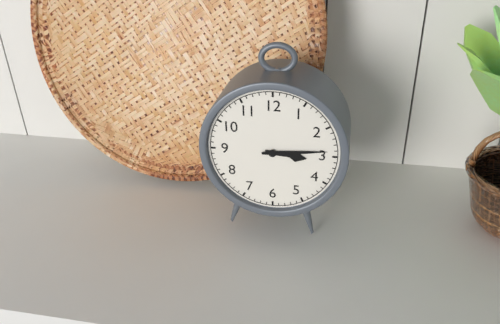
h=3 m=14
